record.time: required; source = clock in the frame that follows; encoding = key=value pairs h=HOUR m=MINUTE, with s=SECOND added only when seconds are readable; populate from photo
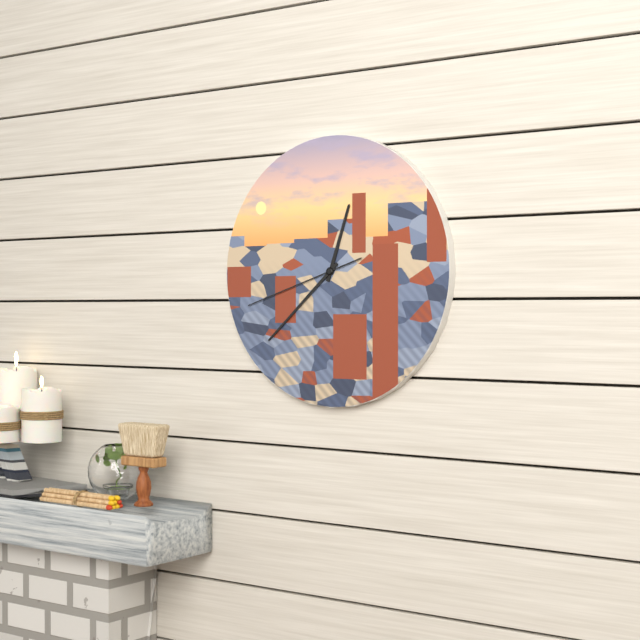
h=12 m=38 s=42
